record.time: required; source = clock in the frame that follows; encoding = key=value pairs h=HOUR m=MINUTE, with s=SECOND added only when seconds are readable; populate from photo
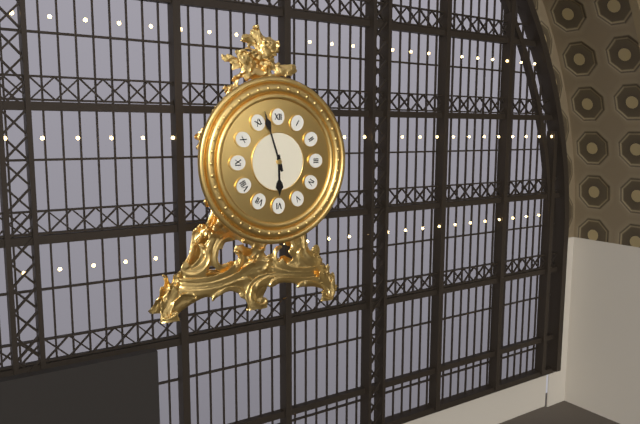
h=5 m=57
